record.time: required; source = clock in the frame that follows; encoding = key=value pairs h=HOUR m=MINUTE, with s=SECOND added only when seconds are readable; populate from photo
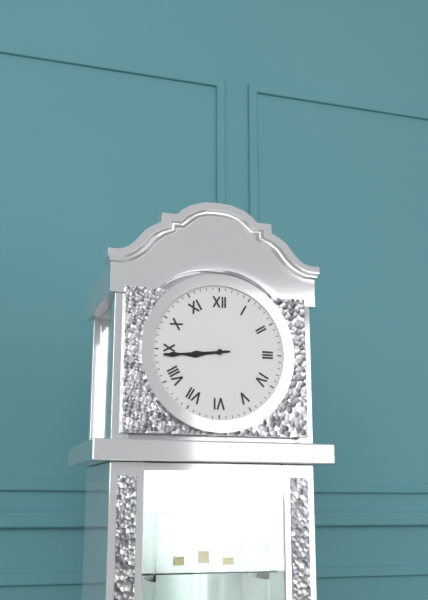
h=8 m=44
